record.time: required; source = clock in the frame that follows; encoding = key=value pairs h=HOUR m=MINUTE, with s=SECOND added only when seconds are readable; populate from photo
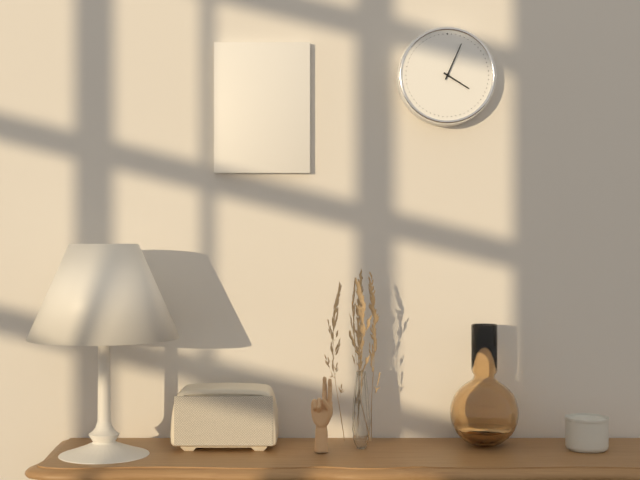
h=4 m=4
